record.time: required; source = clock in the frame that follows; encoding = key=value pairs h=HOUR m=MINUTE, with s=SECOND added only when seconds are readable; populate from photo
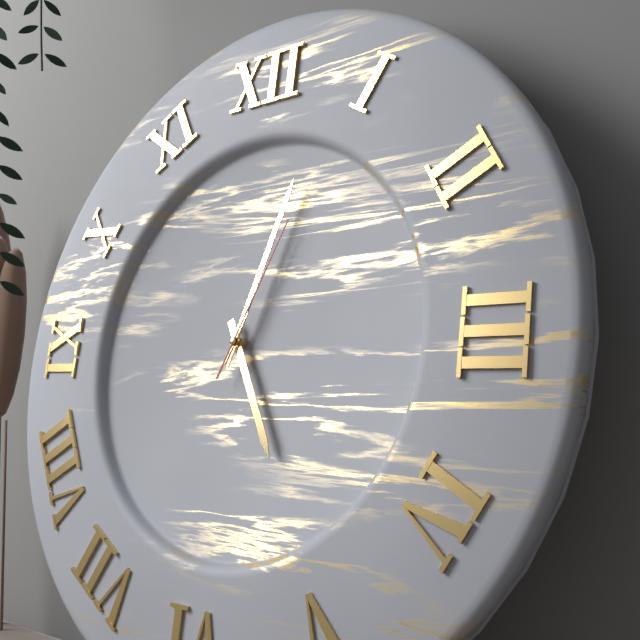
h=5 m=3 s=4
